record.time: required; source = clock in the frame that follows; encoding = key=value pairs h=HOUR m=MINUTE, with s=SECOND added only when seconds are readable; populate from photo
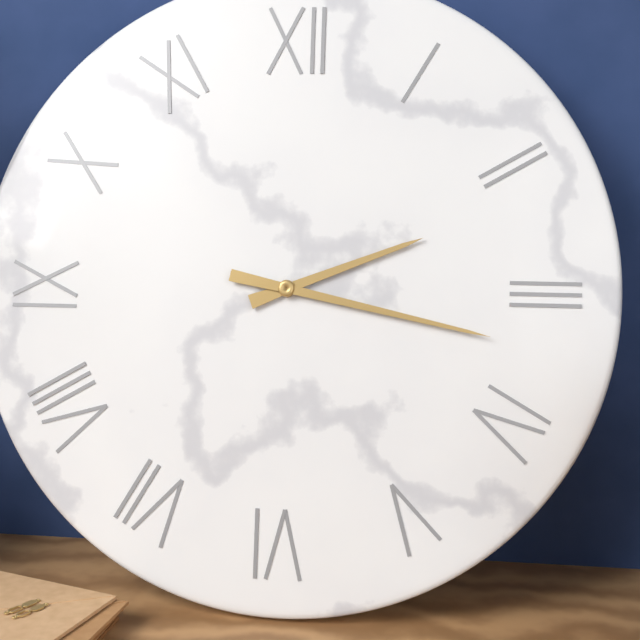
h=2 m=17
